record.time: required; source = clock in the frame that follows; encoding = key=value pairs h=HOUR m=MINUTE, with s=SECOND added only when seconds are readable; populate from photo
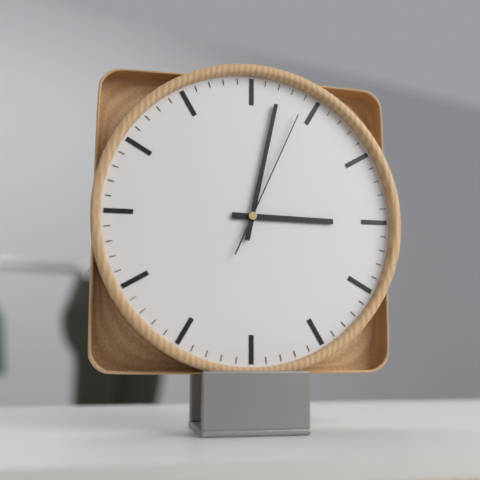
h=3 m=2 s=4
